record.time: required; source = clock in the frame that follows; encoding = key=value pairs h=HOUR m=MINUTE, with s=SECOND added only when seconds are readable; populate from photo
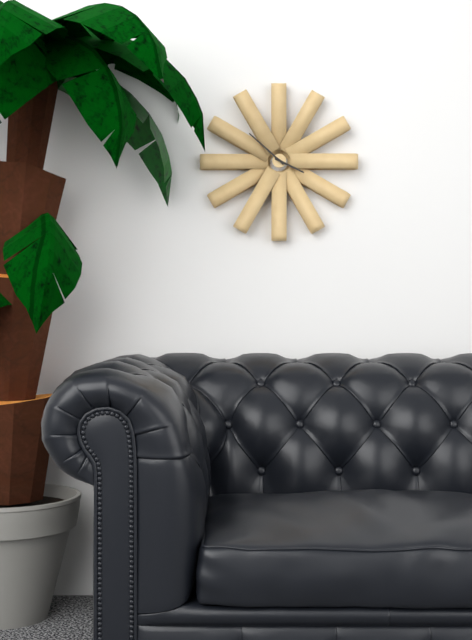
h=3 m=52
